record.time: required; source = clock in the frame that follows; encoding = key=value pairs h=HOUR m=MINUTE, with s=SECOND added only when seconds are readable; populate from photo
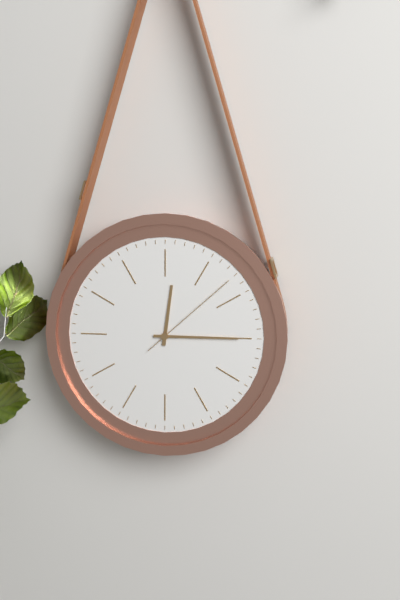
h=12 m=15 s=8
